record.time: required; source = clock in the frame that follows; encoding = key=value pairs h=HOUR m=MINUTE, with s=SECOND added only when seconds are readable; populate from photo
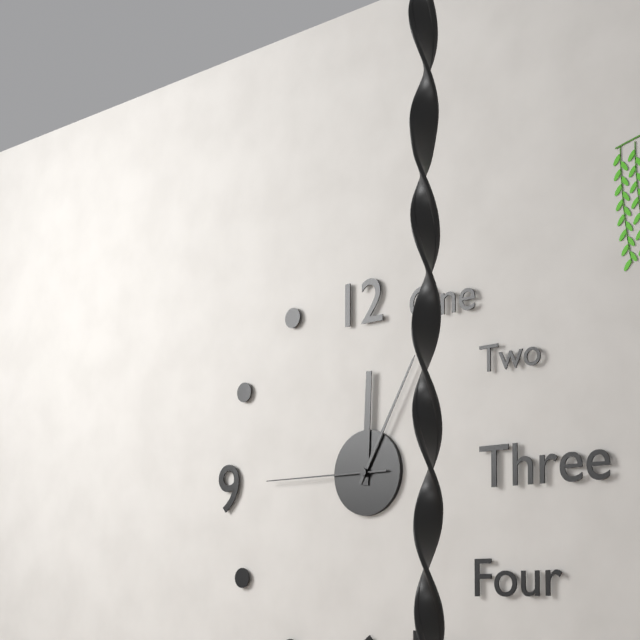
h=12 m=5 s=45
